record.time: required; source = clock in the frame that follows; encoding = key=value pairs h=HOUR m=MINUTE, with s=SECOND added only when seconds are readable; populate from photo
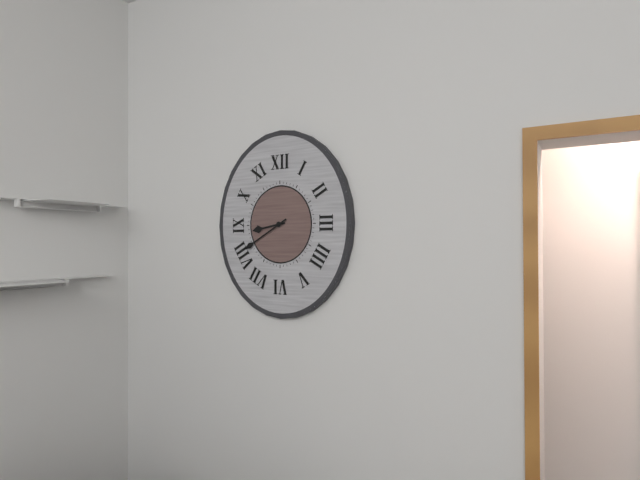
h=8 m=40
